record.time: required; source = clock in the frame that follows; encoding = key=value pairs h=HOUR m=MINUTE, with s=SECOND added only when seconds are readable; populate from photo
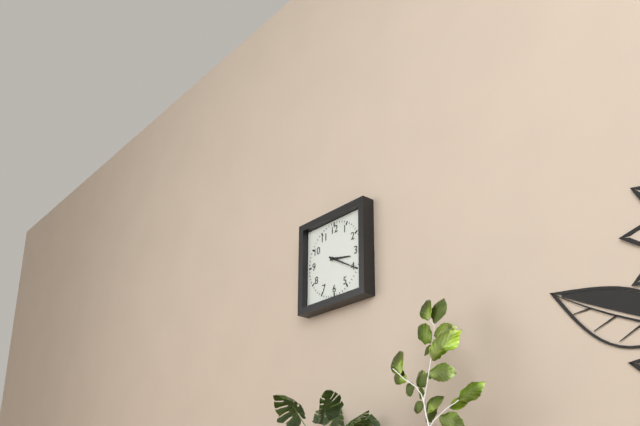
h=3 m=20
